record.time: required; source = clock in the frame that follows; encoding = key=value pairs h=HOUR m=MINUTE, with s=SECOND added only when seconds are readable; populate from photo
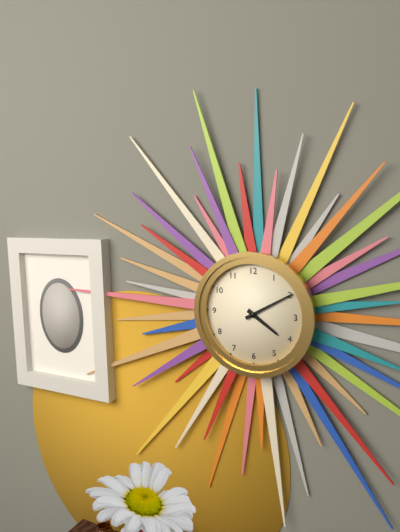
h=4 m=10
